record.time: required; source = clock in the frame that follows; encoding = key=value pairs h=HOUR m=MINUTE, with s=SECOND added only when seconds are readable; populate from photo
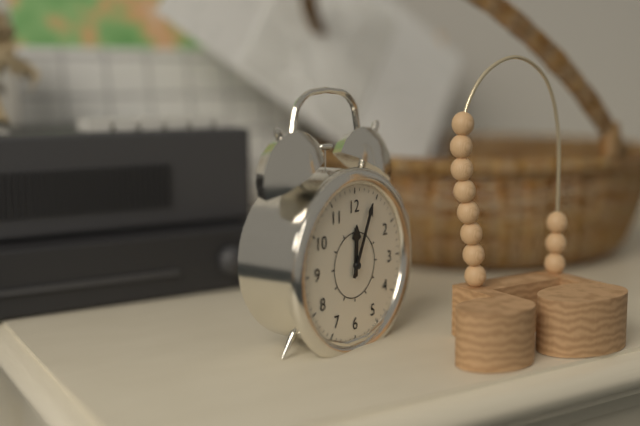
h=12 m=4
